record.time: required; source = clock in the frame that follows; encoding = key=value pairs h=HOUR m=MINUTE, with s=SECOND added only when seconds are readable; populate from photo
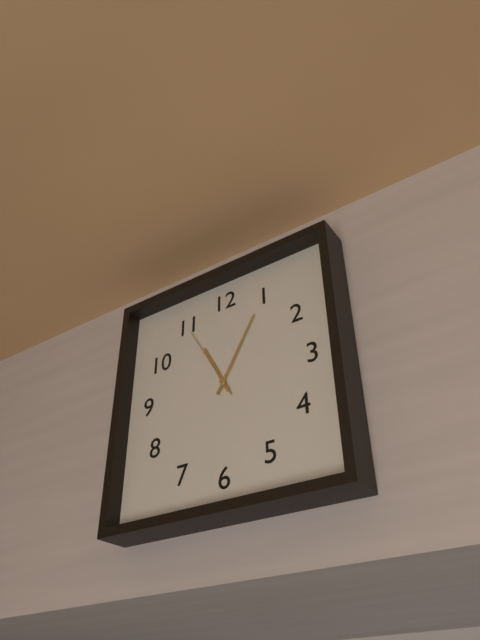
h=11 m=5 s=55
